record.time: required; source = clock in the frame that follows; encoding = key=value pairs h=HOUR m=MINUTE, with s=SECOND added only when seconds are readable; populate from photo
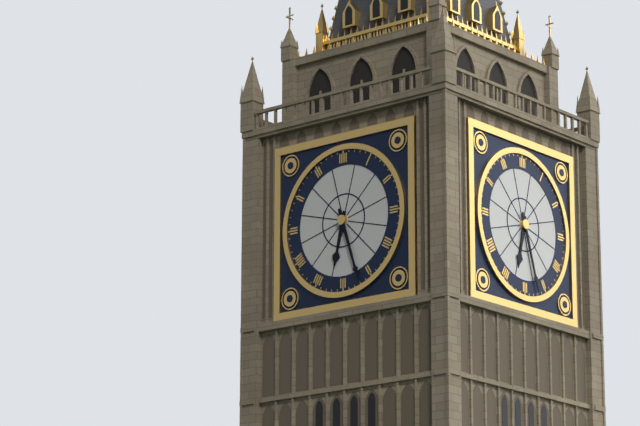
h=6 m=27
